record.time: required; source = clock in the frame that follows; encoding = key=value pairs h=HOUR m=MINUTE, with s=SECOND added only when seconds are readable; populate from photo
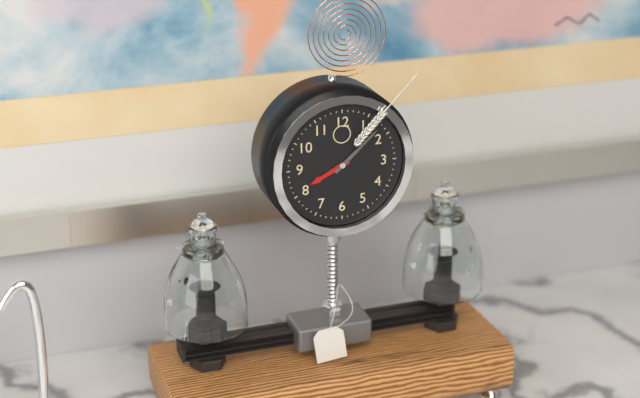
h=8 m=8
